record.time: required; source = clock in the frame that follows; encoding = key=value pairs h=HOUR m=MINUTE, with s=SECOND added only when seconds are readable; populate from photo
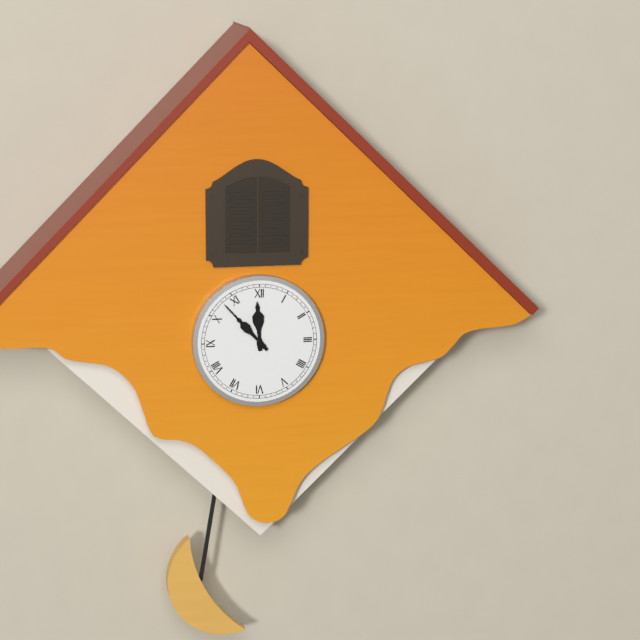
h=11 m=53
